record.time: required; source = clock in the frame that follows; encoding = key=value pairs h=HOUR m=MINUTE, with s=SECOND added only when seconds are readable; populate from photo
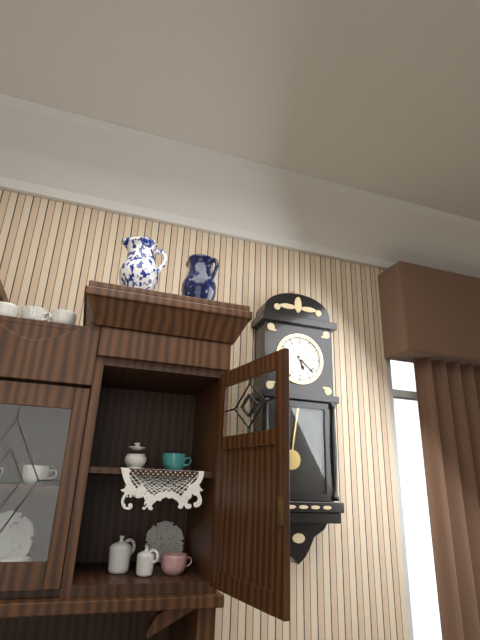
h=5 m=22
